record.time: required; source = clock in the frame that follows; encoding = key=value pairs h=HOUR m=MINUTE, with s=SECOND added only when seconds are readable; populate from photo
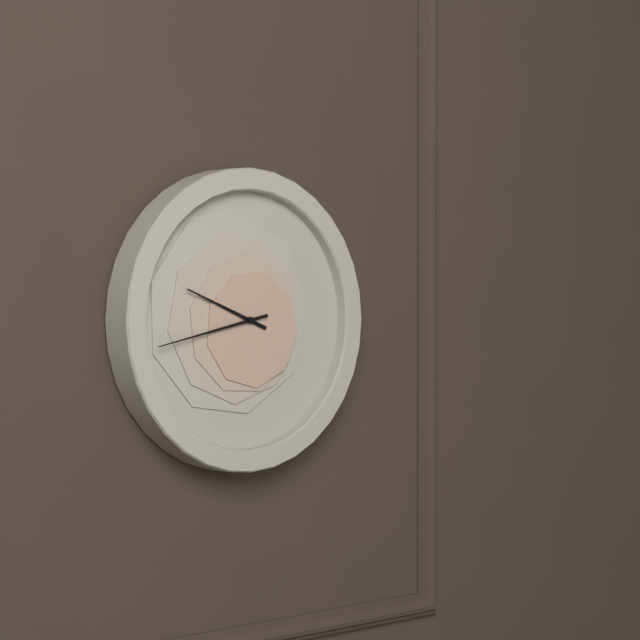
h=9 m=43
